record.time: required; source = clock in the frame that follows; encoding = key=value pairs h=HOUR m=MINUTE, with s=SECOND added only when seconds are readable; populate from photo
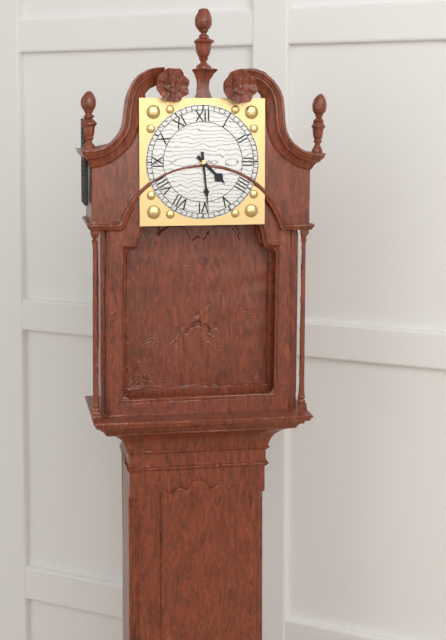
h=4 m=29
